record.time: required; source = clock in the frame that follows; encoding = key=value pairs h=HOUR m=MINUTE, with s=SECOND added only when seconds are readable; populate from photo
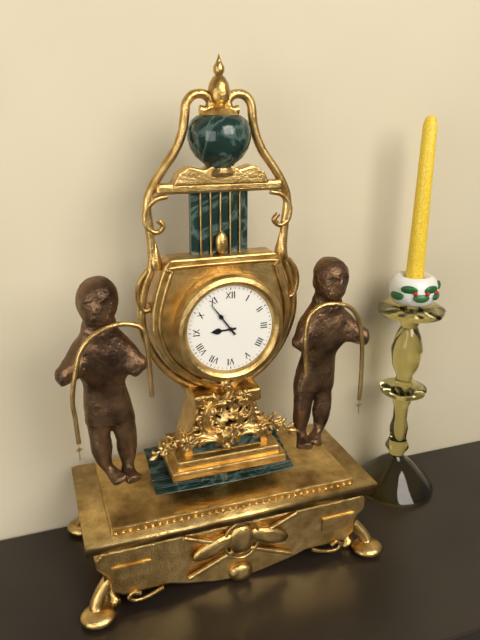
h=8 m=54
